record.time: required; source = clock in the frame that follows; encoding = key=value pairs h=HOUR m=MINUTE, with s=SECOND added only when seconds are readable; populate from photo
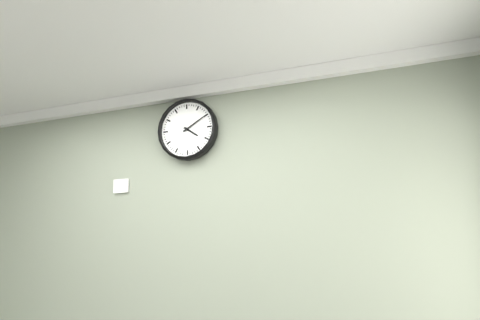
h=4 m=10
